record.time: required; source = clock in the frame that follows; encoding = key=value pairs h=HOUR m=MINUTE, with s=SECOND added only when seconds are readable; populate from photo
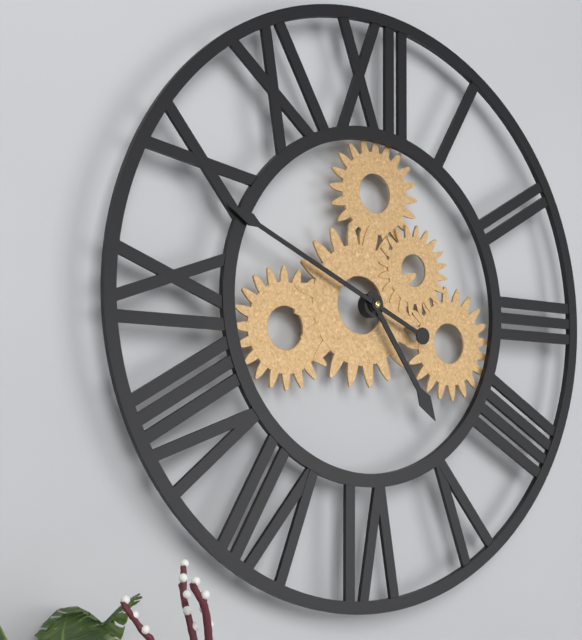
h=4 m=49
